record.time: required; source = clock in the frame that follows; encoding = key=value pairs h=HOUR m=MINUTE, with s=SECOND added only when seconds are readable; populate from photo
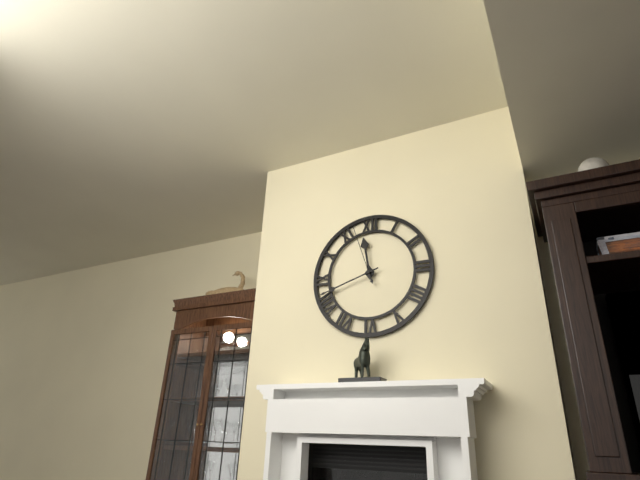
h=11 m=42 s=57
